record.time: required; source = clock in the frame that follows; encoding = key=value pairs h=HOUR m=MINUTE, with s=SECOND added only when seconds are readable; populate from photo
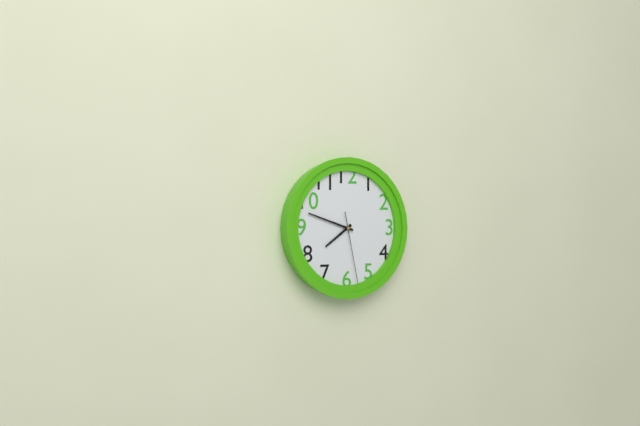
h=7 m=48 s=28
